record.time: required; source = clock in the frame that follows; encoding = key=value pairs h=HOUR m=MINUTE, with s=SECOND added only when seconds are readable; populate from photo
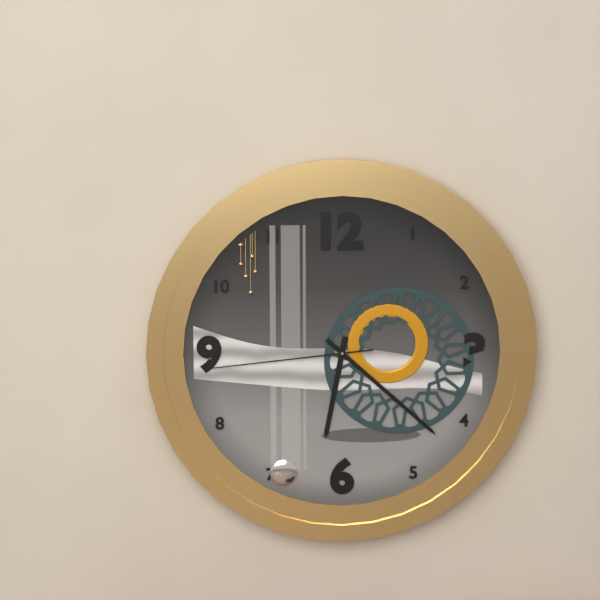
h=6 m=22 s=44
